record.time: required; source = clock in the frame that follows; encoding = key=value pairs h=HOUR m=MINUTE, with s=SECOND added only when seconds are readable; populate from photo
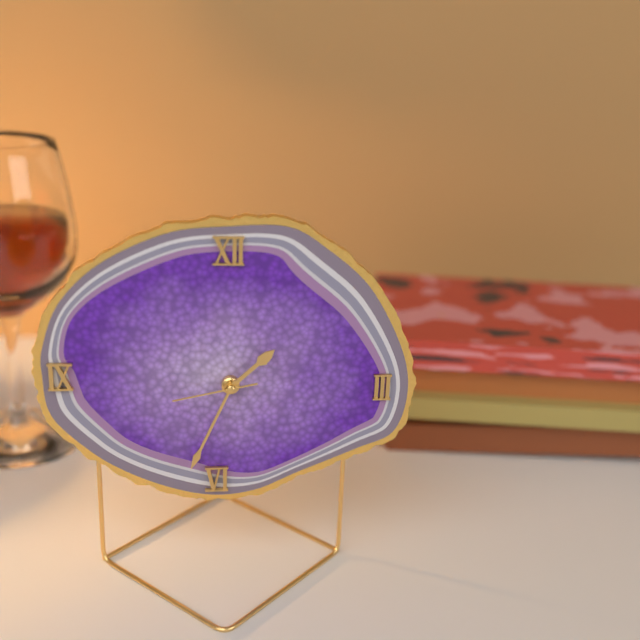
h=1 m=34 s=43
